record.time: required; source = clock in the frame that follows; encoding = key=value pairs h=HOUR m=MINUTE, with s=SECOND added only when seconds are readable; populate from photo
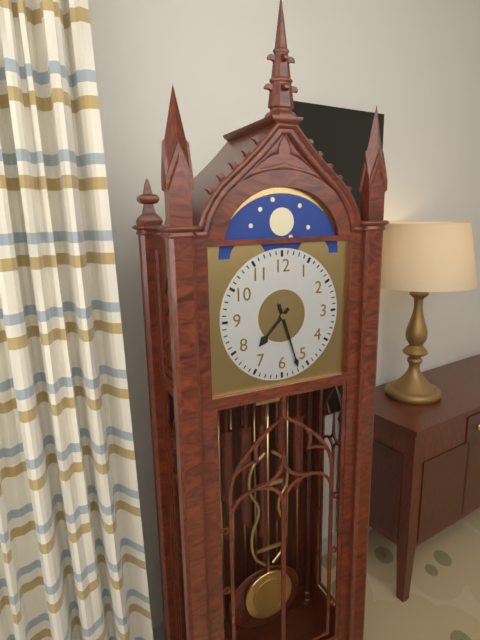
h=7 m=27
